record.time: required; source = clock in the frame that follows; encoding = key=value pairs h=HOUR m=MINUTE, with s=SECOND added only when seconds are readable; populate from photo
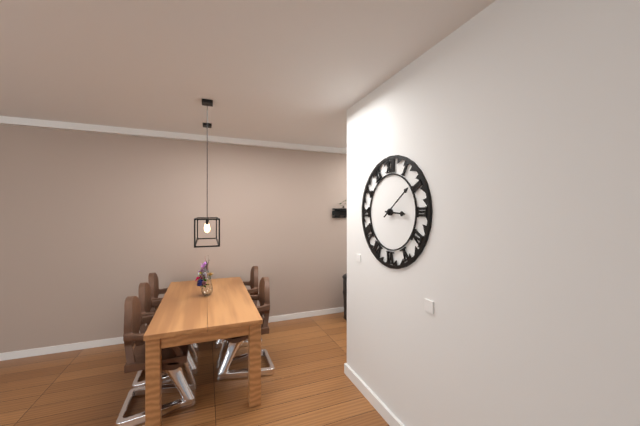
h=3 m=9
